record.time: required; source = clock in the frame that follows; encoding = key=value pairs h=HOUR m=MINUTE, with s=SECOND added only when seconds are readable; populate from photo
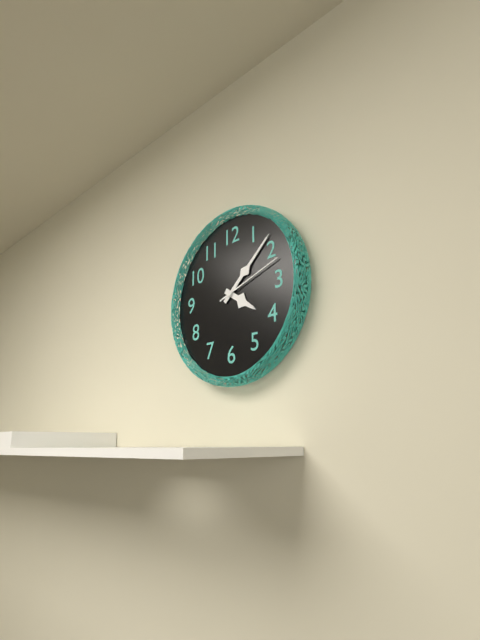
h=4 m=8 s=12
